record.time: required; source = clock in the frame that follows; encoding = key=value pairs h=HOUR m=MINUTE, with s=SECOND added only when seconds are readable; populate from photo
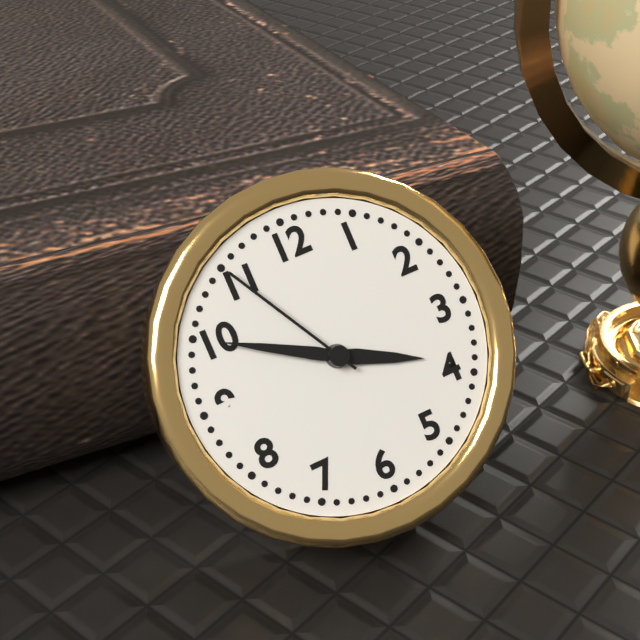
h=3 m=50 s=55
